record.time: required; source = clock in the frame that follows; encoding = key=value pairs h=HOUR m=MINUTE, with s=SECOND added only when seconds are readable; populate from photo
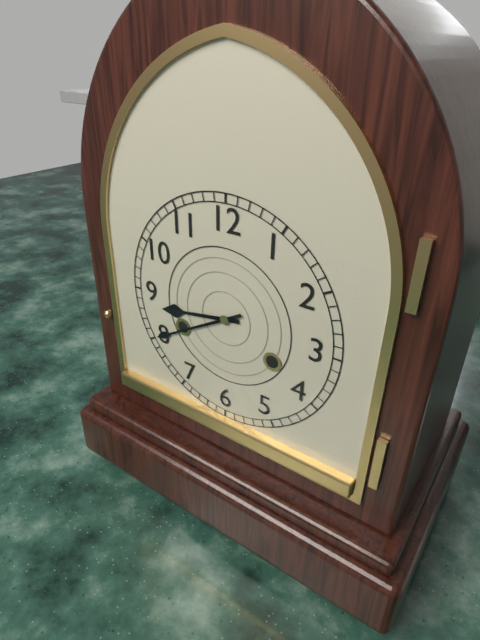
h=8 m=40
